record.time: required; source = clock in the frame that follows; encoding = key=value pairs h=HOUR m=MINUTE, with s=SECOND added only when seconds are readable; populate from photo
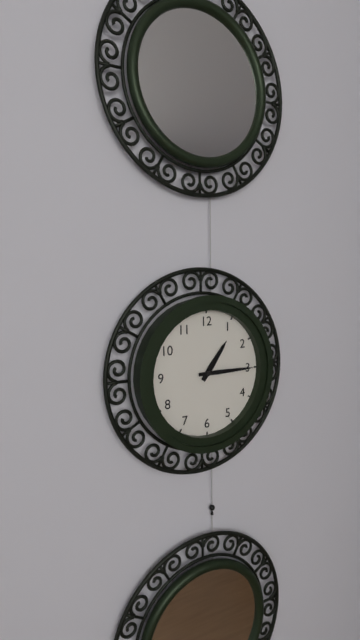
h=1 m=15
